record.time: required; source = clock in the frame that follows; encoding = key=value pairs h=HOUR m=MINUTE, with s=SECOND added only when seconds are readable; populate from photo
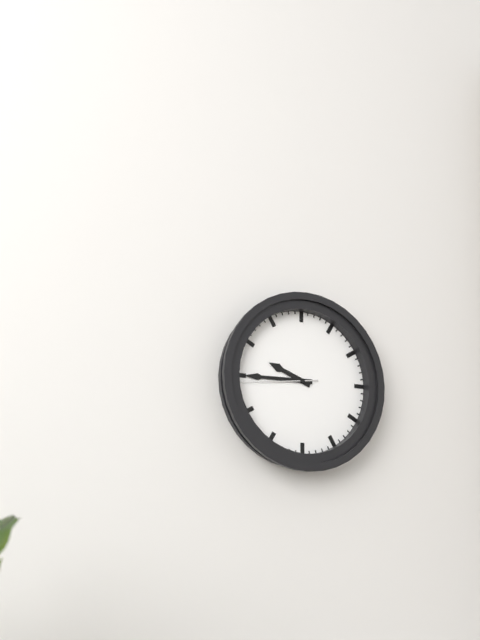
h=9 m=45 s=44
